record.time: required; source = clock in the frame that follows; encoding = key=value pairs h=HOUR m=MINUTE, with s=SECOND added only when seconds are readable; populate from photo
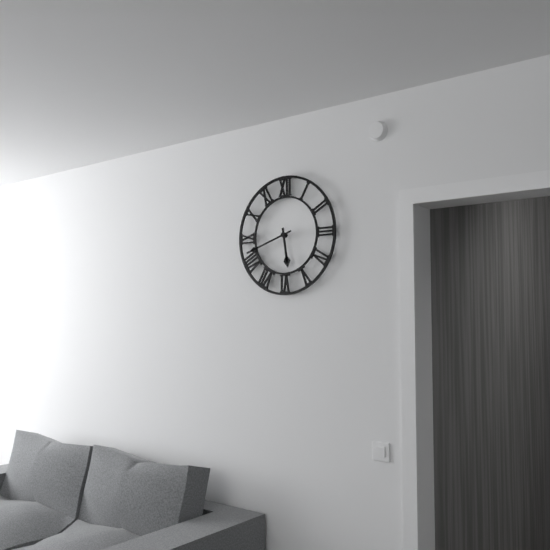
h=5 m=42
